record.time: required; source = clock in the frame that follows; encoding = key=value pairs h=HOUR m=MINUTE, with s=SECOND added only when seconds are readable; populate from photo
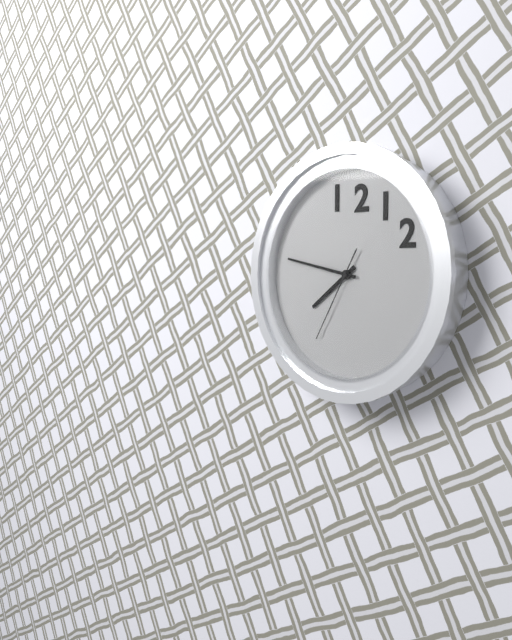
h=7 m=47 s=35
